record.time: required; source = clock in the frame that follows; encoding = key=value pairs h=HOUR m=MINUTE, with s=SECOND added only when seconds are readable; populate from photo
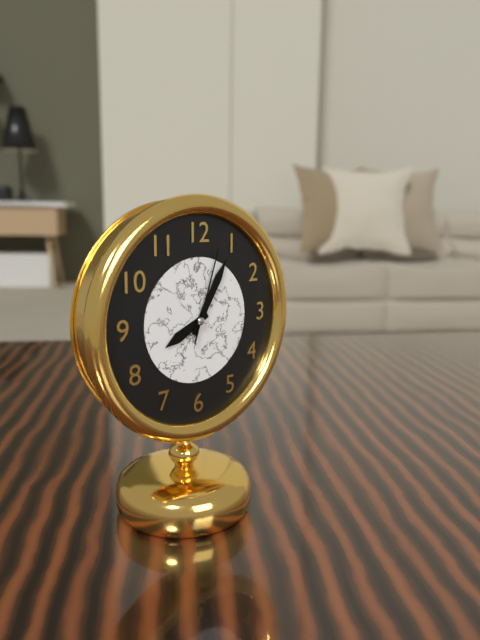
h=8 m=5 s=3
